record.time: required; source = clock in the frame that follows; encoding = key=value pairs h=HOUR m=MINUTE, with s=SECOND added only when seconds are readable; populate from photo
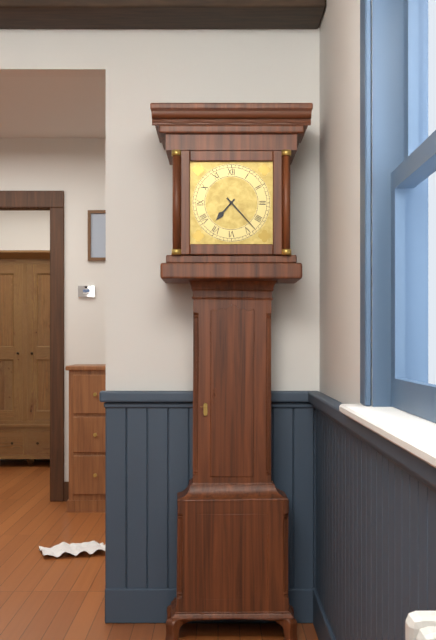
h=7 m=23
